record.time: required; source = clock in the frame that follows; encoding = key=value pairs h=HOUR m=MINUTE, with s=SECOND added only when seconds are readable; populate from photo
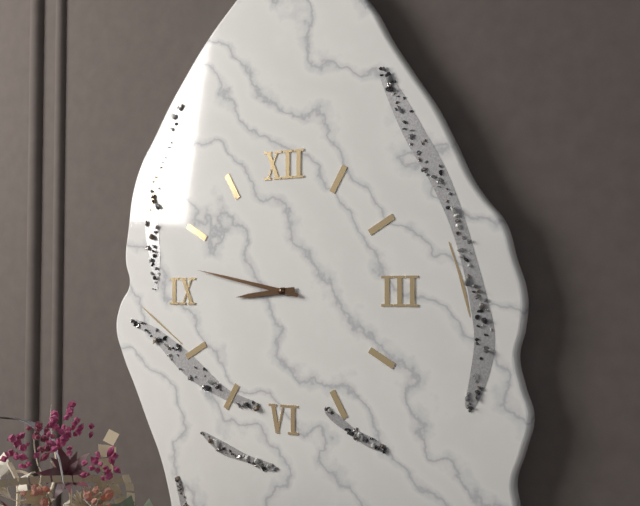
h=8 m=47
